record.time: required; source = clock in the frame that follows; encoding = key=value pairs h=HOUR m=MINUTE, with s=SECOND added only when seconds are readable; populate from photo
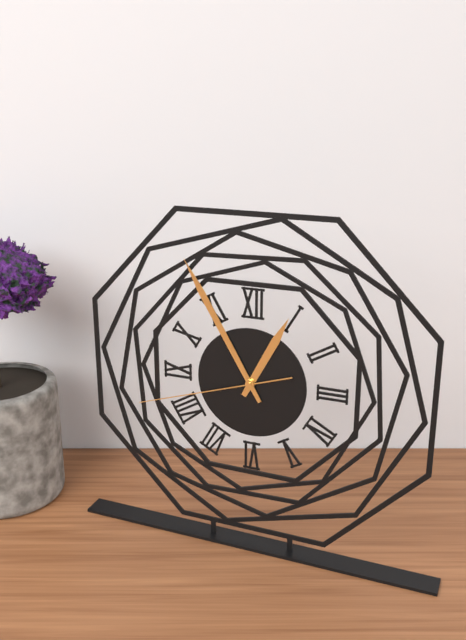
h=12 m=55 s=42
